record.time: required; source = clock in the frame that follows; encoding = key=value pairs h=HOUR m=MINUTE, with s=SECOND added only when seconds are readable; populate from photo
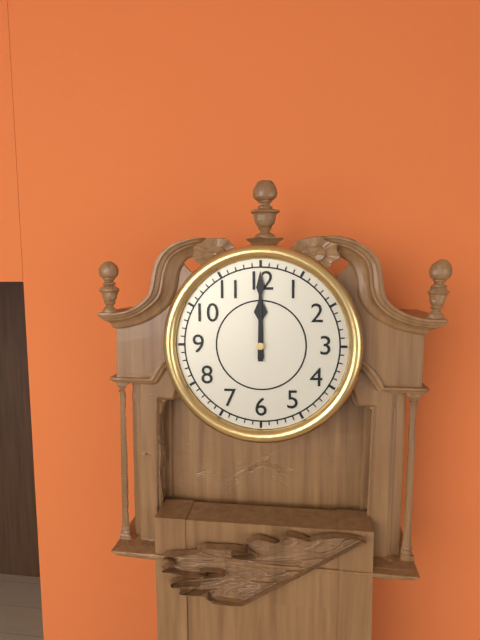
h=12 m=0
